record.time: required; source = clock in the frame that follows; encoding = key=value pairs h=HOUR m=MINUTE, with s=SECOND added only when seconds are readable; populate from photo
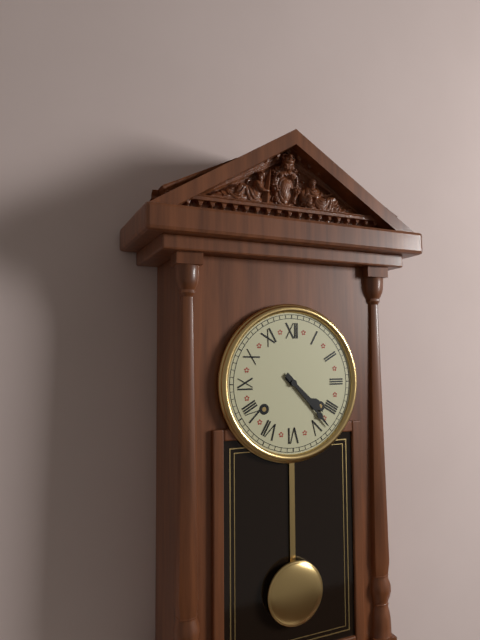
h=4 m=23
